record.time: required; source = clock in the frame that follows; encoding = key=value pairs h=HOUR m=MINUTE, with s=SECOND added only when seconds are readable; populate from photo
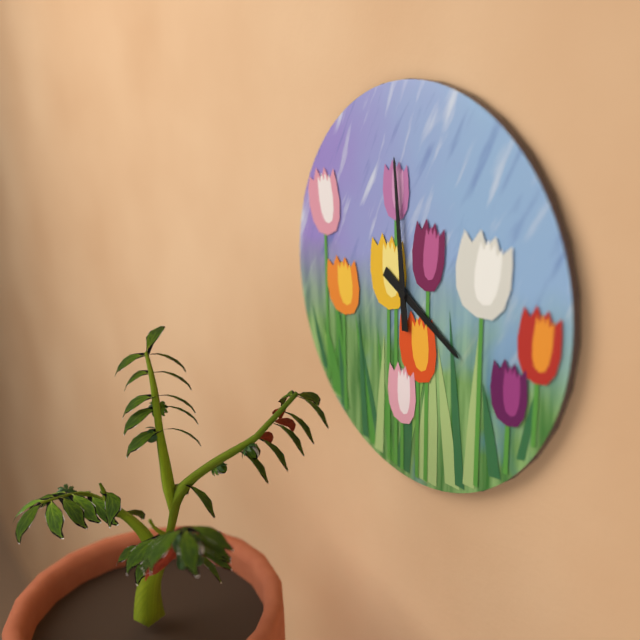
h=3 m=59
